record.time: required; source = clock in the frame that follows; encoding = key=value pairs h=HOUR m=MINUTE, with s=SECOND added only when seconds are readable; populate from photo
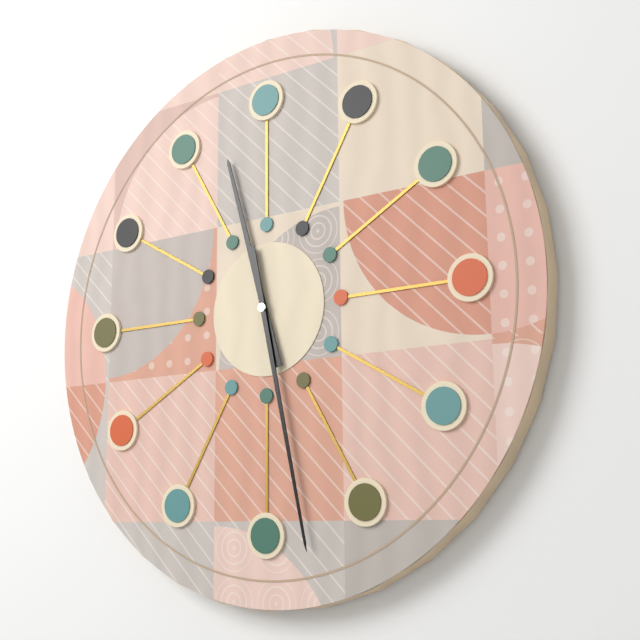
h=11 m=28
